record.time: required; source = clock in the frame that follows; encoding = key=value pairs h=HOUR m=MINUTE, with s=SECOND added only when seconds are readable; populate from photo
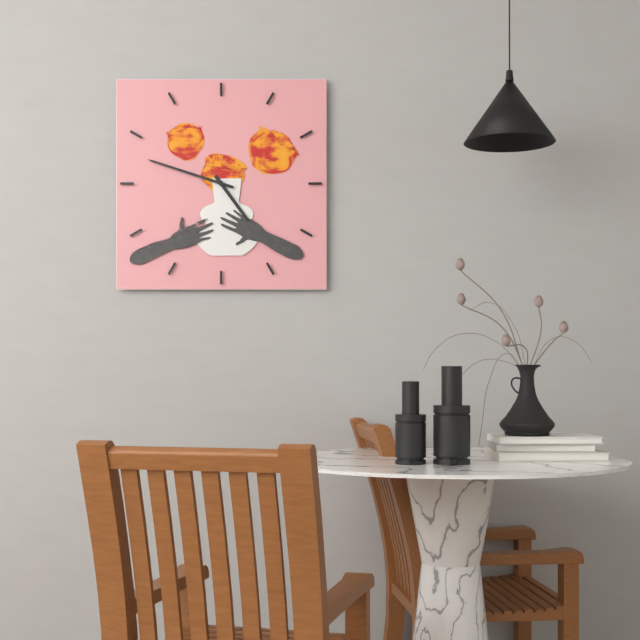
h=4 m=48
